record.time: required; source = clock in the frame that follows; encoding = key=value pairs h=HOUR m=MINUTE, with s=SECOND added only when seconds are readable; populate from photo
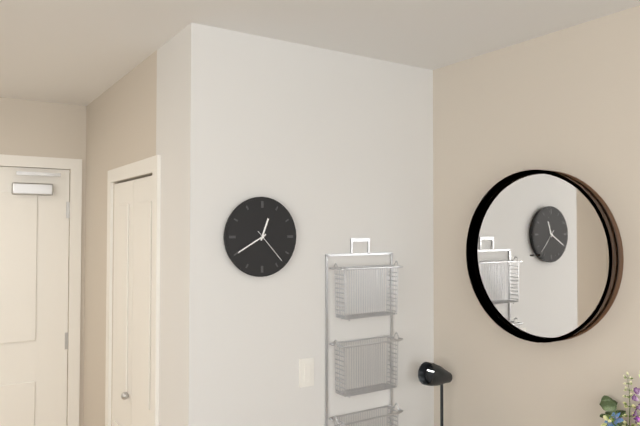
h=12 m=40
